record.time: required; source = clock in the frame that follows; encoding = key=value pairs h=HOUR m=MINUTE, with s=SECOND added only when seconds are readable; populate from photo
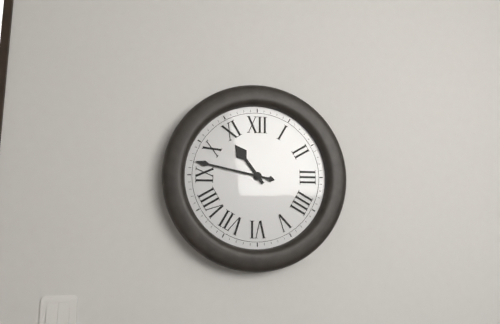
h=10 m=47
